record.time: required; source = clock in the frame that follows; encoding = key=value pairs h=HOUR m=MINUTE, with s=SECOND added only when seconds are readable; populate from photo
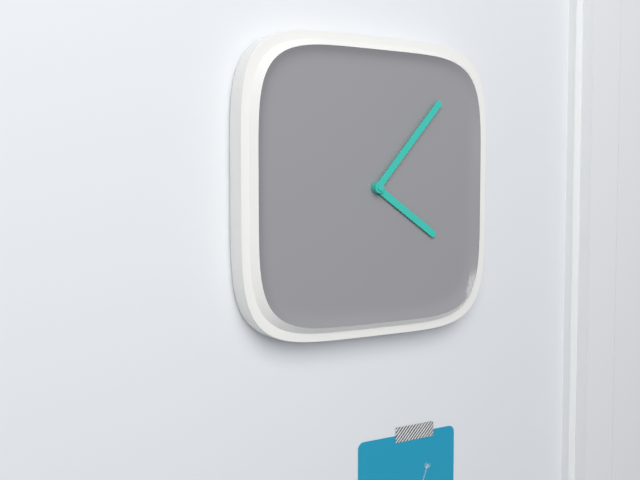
h=4 m=7
